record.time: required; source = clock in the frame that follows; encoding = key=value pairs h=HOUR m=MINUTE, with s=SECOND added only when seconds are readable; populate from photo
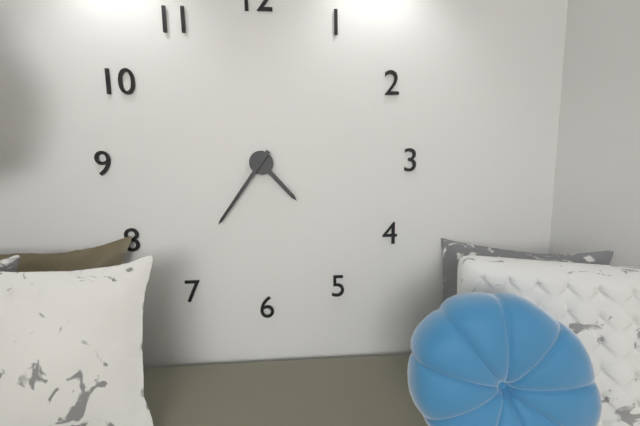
h=4 m=36
